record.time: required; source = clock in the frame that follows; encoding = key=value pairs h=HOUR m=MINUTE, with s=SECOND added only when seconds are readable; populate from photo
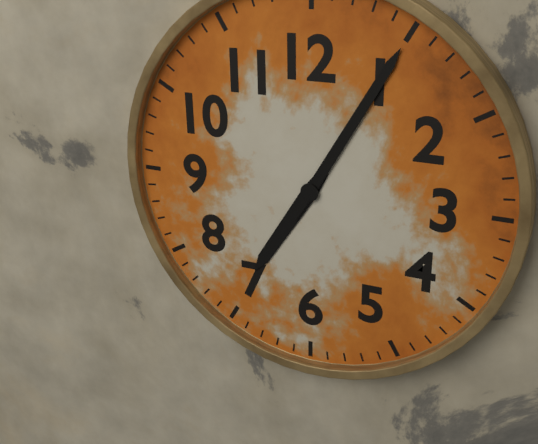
h=7 m=5
